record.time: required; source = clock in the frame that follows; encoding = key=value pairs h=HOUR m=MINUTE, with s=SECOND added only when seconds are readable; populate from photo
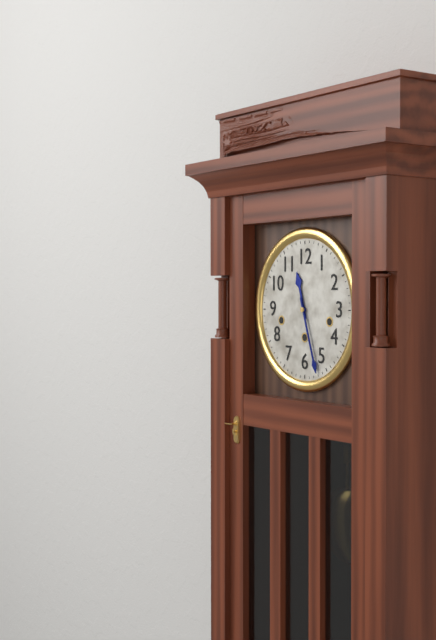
h=11 m=27
